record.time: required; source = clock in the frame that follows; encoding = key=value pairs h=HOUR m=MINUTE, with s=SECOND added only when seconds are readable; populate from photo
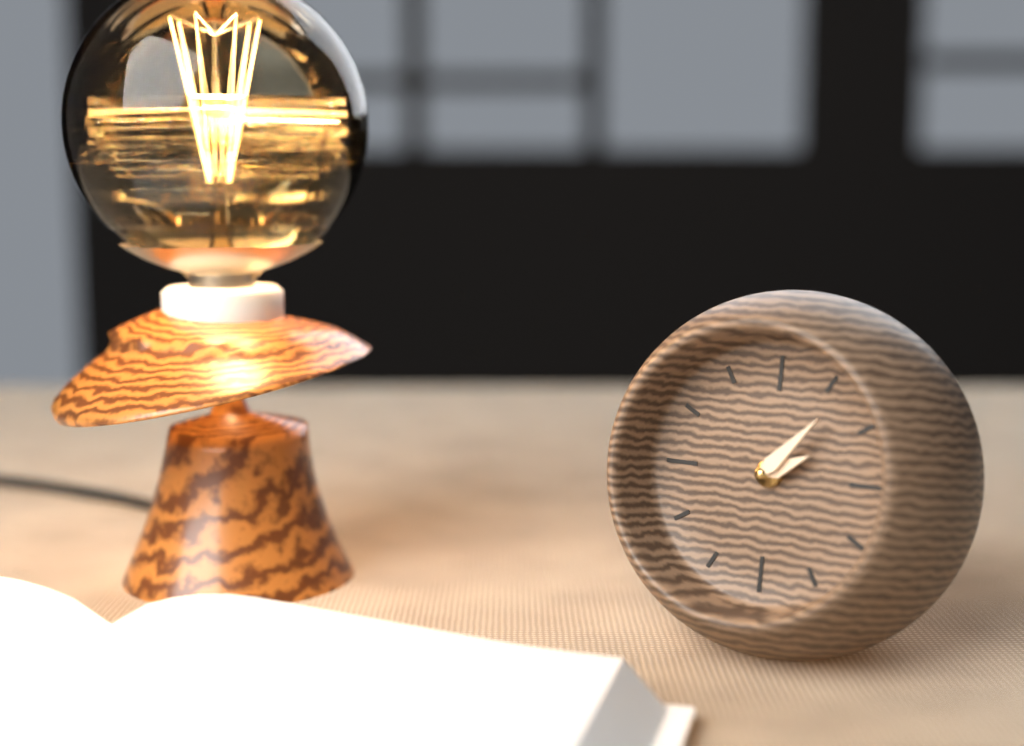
h=2 m=7
